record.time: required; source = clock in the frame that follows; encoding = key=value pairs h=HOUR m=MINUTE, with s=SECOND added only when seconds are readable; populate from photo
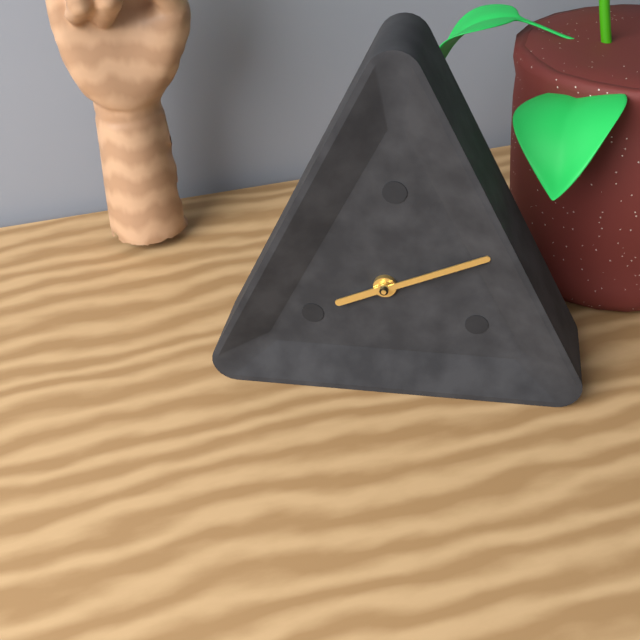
h=8 m=11
